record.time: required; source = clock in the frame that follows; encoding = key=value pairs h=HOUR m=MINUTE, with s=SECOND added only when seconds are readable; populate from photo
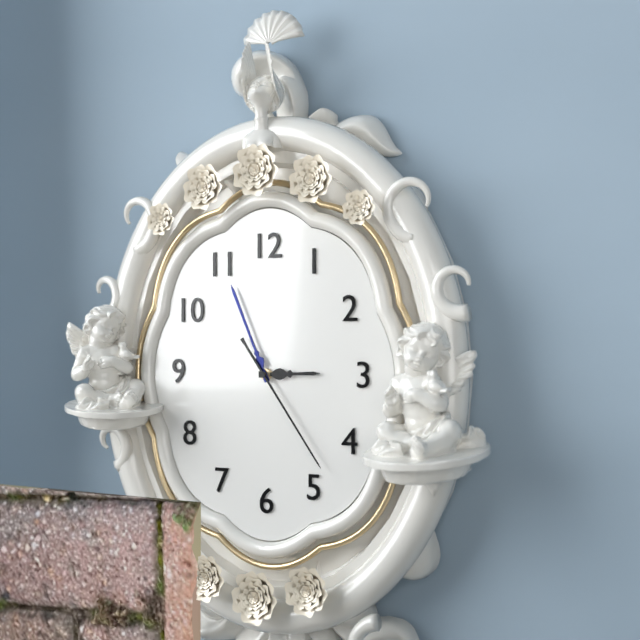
h=2 m=56 s=24
